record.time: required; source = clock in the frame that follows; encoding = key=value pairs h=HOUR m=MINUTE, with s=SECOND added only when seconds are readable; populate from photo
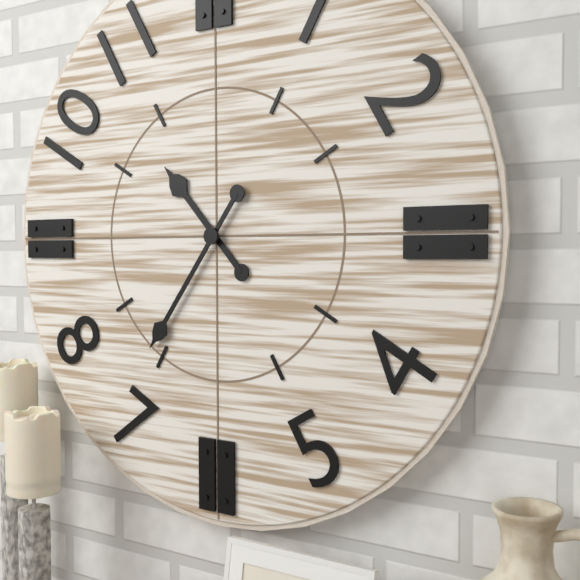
h=10 m=36
